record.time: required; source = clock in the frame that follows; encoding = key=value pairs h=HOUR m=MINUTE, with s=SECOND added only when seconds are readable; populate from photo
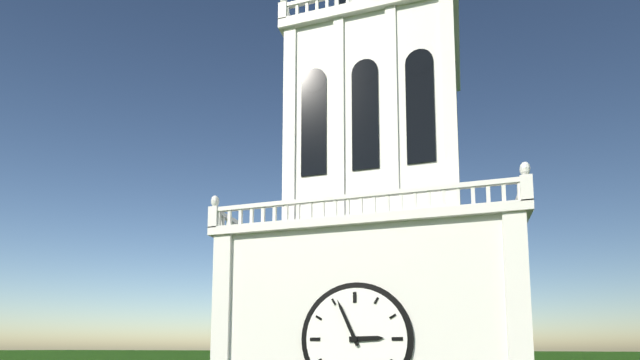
h=2 m=56
